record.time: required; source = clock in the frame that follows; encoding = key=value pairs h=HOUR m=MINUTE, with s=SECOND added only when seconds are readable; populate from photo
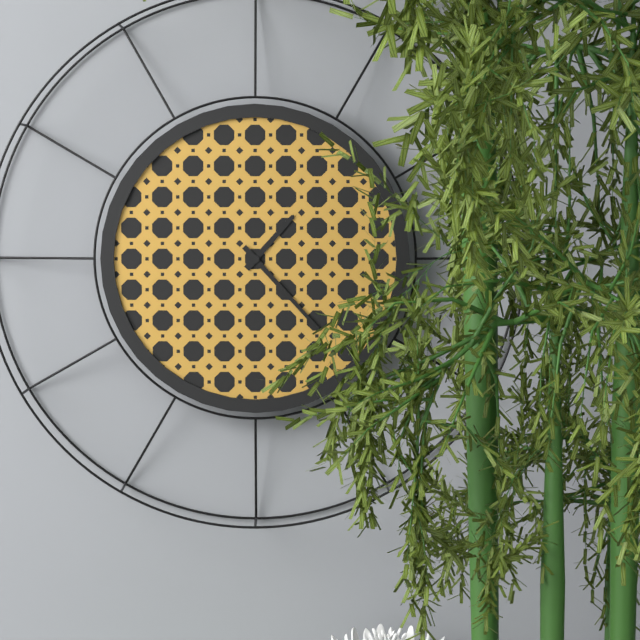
h=1 m=23
